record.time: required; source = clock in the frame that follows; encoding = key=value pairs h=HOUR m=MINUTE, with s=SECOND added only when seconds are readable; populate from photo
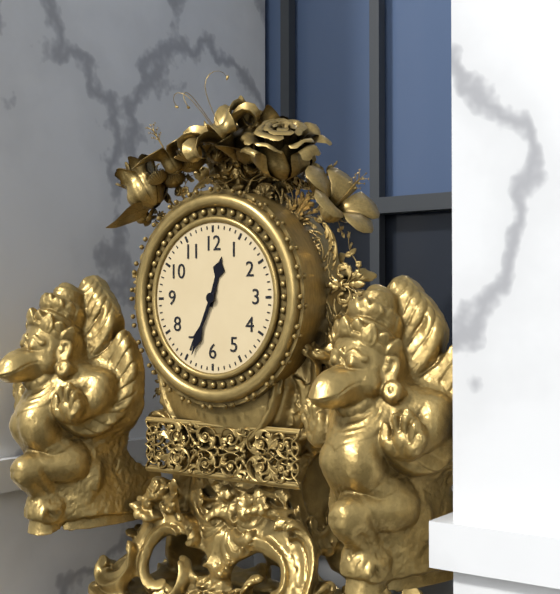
h=12 m=34
